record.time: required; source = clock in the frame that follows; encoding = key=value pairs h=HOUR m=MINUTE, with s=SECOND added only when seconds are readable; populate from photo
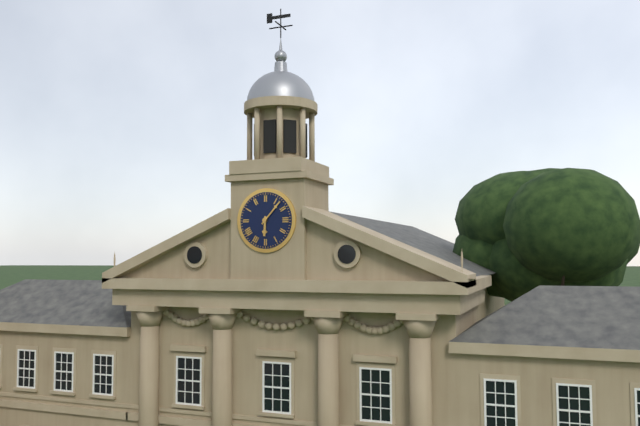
h=6 m=7
